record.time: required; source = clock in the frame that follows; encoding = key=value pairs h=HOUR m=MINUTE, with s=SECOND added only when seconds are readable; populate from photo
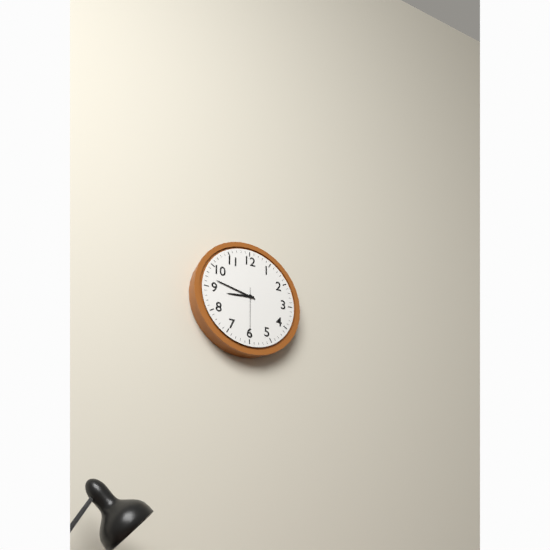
h=8 m=47 s=30
